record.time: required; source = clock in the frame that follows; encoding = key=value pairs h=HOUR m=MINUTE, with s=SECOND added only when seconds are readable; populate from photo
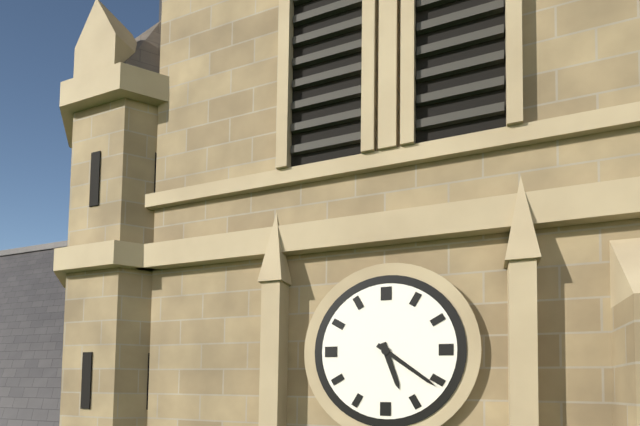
h=5 m=21
